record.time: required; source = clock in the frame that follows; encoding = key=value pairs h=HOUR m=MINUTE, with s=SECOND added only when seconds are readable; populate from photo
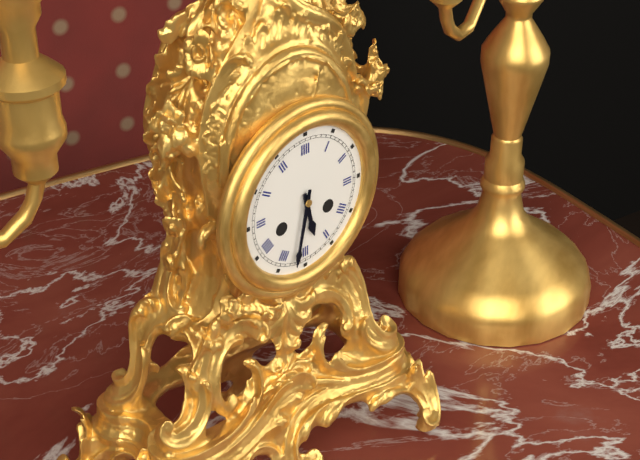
h=5 m=32
